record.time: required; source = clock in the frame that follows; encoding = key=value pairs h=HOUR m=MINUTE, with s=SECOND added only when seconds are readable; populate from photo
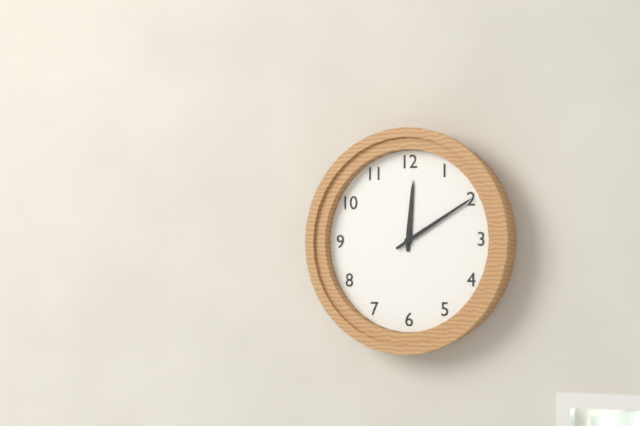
h=12 m=10
